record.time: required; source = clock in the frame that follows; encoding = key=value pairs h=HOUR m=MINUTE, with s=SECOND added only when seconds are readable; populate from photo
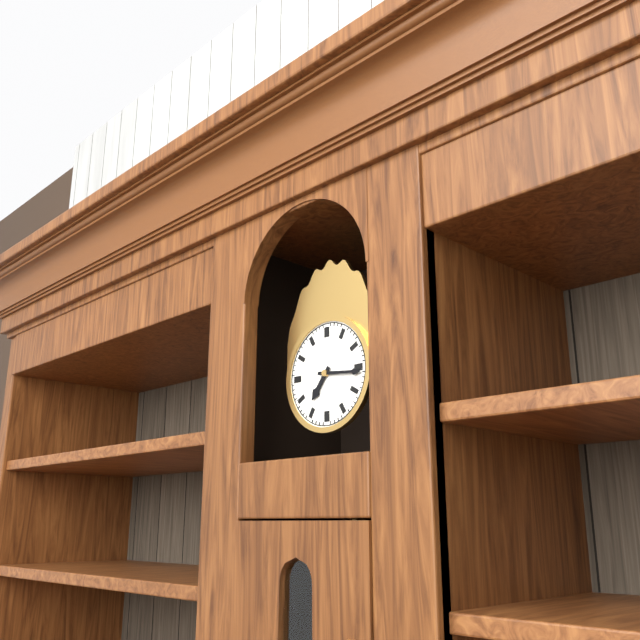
h=7 m=16
